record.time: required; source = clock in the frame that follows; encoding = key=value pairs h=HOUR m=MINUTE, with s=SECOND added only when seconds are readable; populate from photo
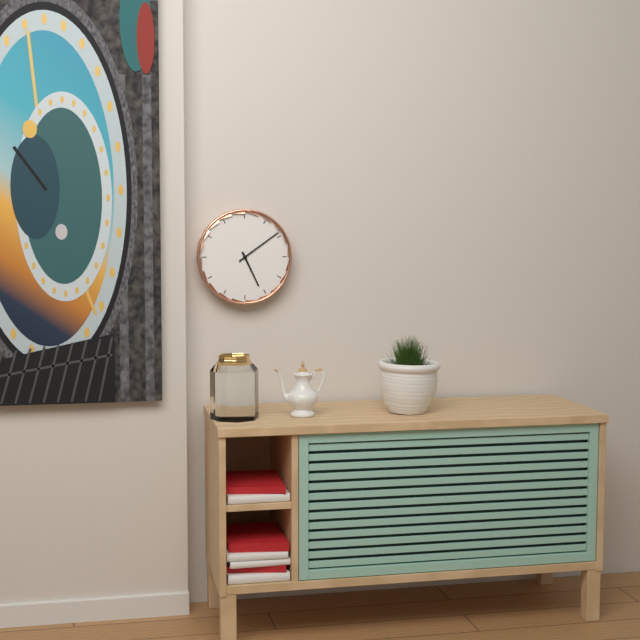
h=5 m=9
